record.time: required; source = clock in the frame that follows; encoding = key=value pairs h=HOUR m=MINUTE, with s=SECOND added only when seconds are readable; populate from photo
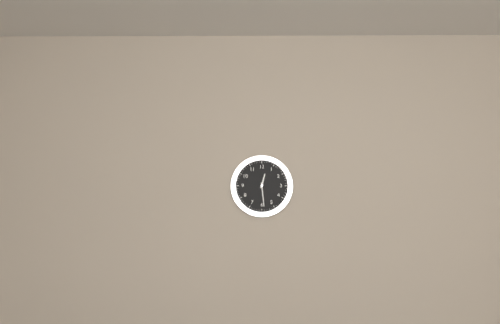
h=12 m=29
